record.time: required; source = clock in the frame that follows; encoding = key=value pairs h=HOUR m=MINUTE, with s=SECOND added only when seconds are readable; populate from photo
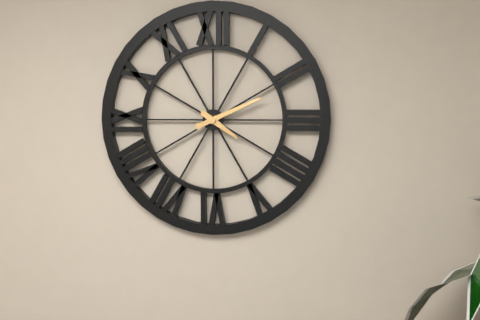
h=4 m=11
